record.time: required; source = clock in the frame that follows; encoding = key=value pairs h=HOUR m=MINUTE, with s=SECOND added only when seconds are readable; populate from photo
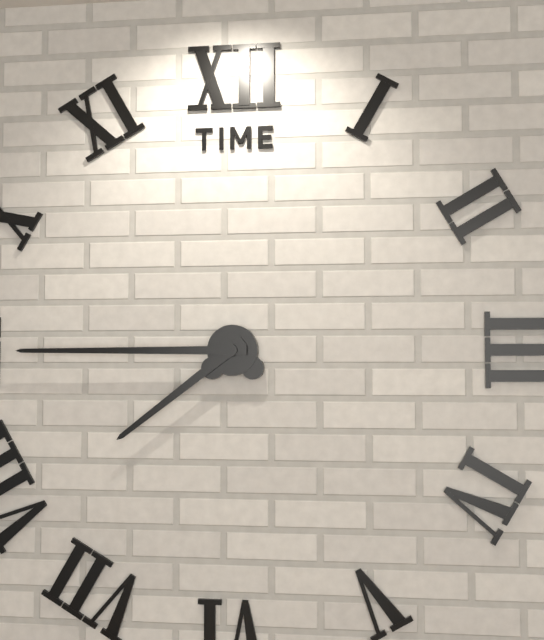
h=7 m=45
